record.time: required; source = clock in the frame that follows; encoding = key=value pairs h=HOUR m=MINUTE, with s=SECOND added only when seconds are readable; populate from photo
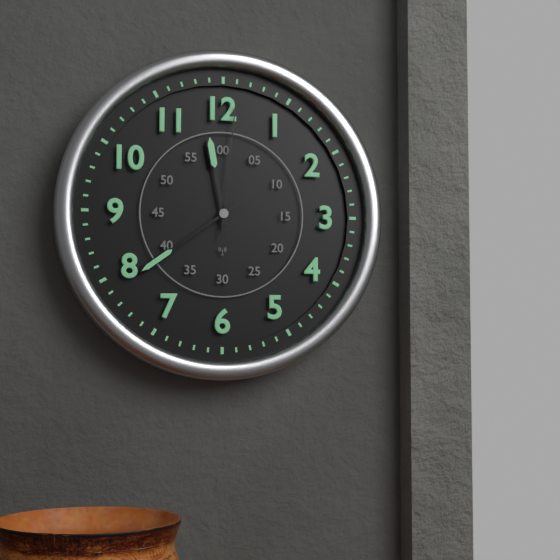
h=11 m=39 s=1
